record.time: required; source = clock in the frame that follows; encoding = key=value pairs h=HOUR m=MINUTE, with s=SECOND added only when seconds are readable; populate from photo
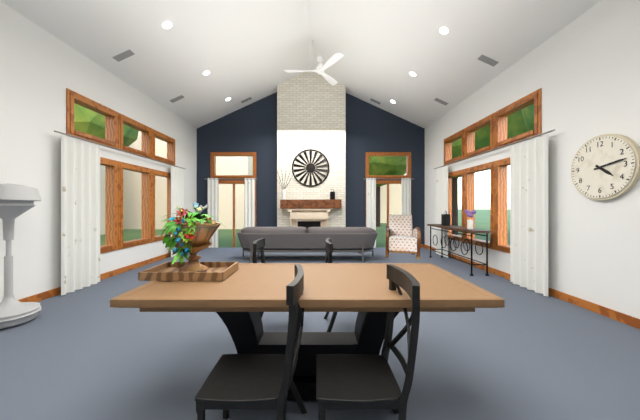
h=4 m=13
